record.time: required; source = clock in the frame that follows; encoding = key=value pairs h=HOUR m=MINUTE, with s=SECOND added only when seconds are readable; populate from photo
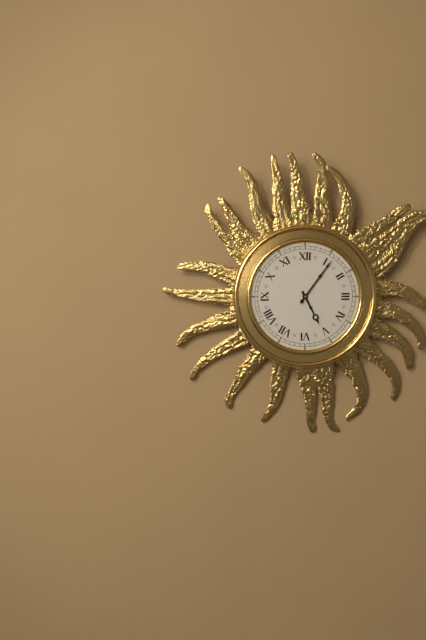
h=5 m=6
